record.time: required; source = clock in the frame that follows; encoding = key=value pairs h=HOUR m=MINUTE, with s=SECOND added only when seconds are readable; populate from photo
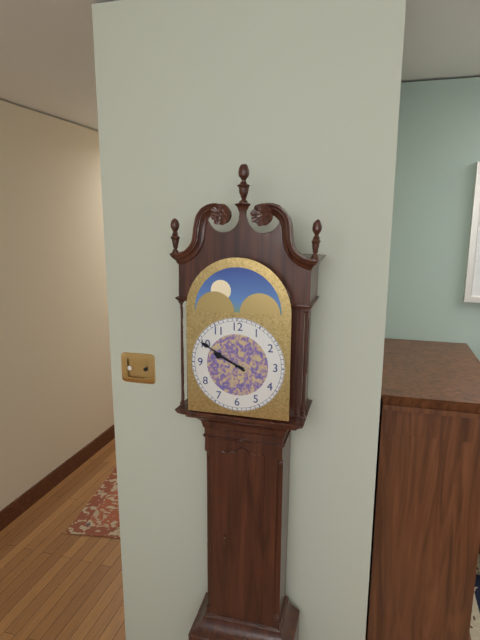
h=9 m=50
